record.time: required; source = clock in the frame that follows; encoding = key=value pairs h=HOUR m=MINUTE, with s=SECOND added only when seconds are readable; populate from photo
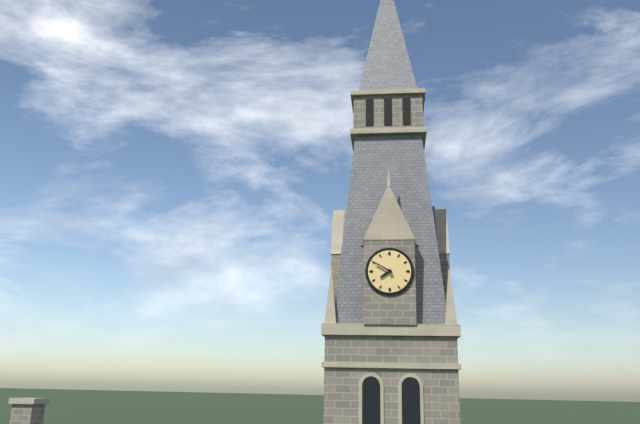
h=7 m=50
